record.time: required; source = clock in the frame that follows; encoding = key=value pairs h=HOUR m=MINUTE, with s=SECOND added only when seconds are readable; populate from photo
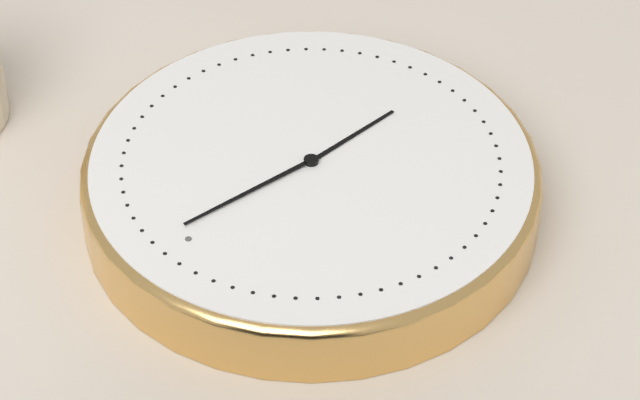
h=6 m=1
